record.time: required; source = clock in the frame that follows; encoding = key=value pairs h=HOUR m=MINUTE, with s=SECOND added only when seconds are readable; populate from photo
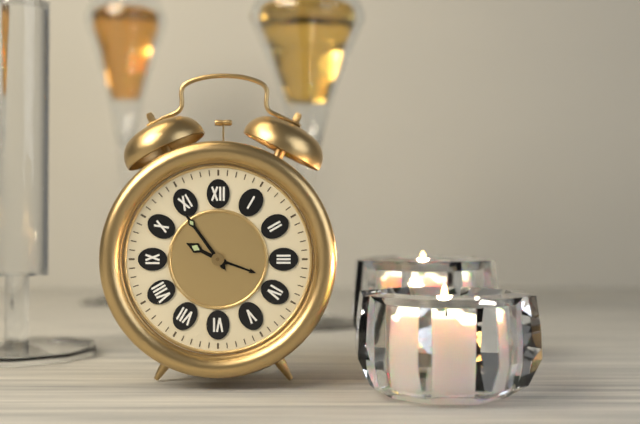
h=9 m=54
